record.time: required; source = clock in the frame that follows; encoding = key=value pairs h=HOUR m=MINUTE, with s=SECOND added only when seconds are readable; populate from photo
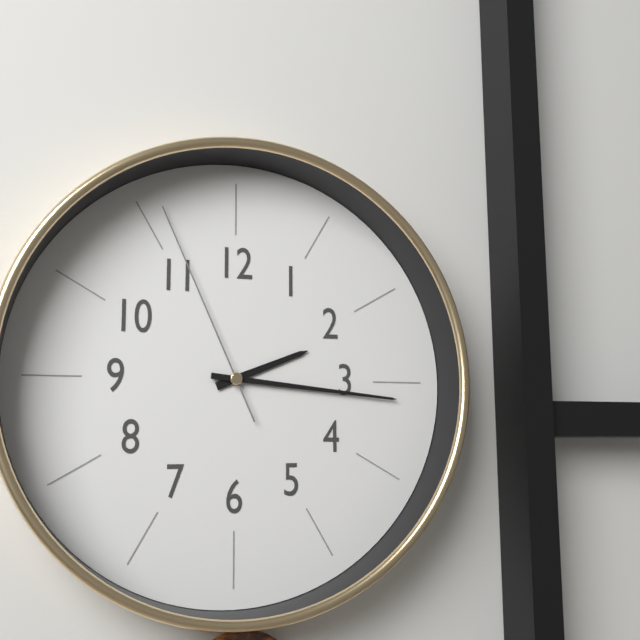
h=2 m=16 s=56
